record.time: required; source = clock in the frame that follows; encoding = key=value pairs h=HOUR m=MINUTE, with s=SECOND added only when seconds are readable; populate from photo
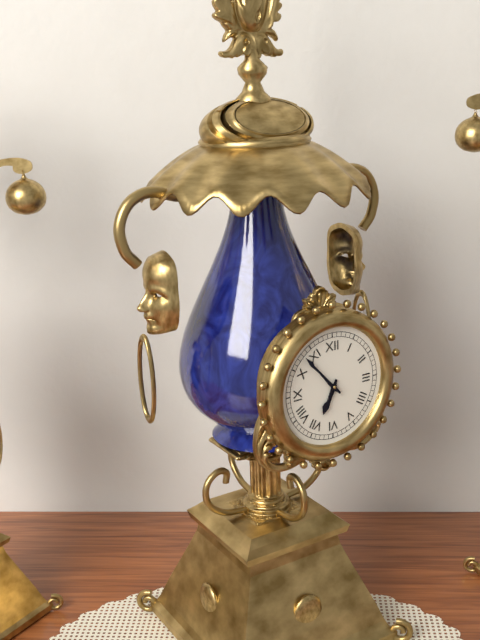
h=6 m=53
